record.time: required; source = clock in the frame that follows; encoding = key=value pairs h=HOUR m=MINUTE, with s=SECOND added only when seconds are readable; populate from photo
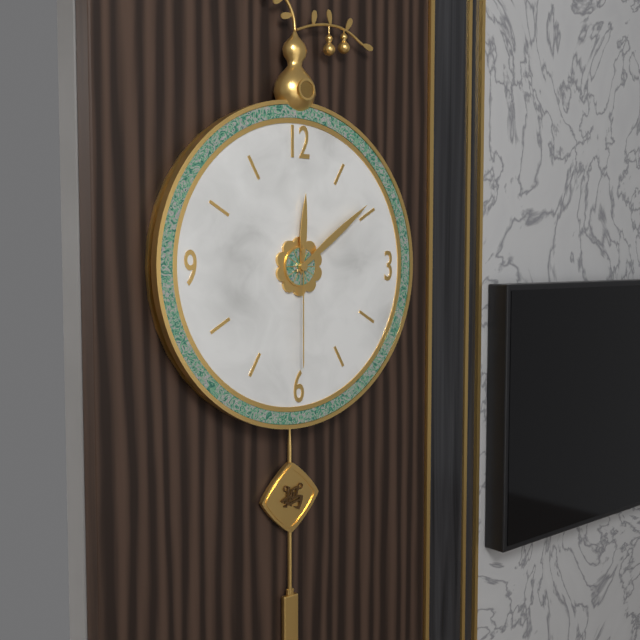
h=12 m=9 s=30
